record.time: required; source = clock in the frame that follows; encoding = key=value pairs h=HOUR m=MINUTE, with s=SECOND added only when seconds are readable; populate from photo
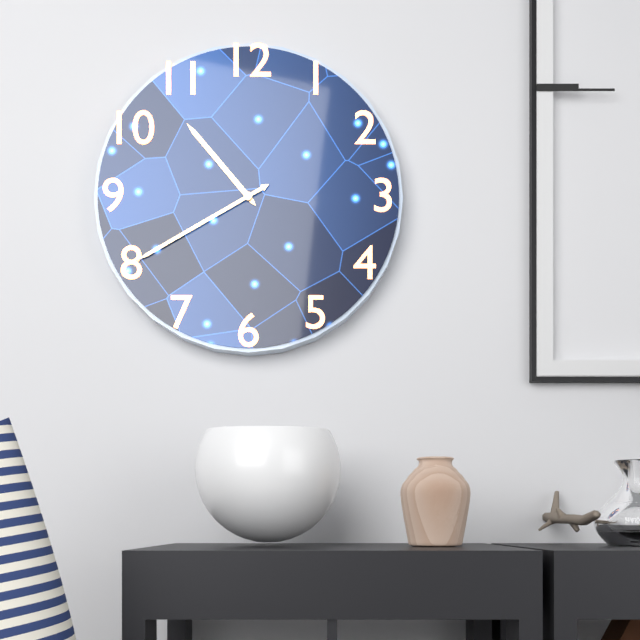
h=10 m=40
